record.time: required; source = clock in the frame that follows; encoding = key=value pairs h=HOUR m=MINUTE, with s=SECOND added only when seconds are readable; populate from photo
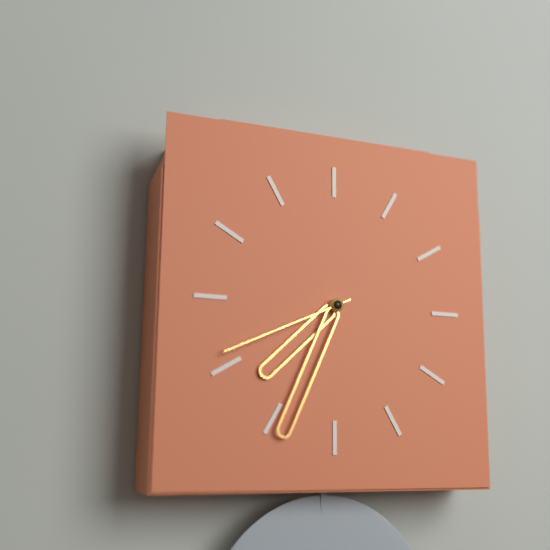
h=7 m=34 s=41
